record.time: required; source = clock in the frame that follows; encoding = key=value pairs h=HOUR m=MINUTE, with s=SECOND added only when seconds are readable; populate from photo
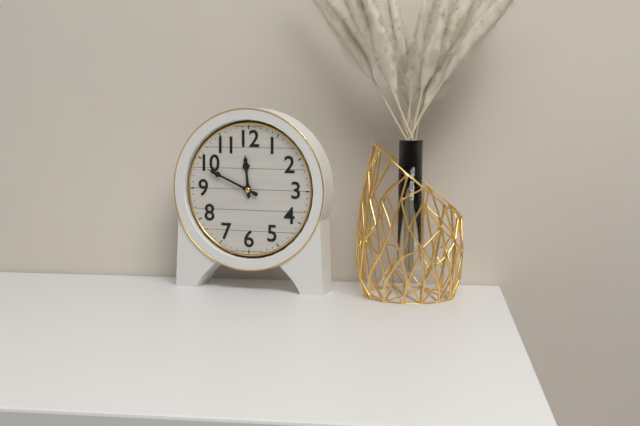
h=11 m=49
